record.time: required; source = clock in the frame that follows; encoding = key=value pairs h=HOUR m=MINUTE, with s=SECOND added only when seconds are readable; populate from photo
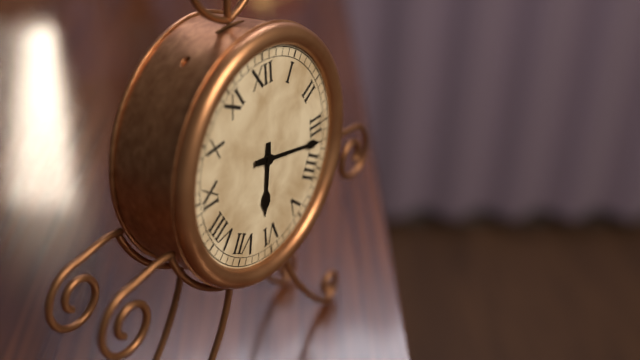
h=6 m=17
